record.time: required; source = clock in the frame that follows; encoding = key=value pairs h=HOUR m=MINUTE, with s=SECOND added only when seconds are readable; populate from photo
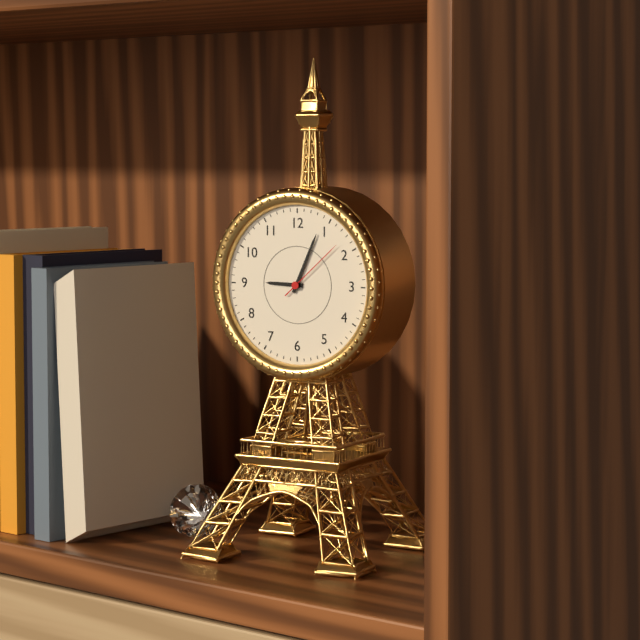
h=9 m=4 s=8
